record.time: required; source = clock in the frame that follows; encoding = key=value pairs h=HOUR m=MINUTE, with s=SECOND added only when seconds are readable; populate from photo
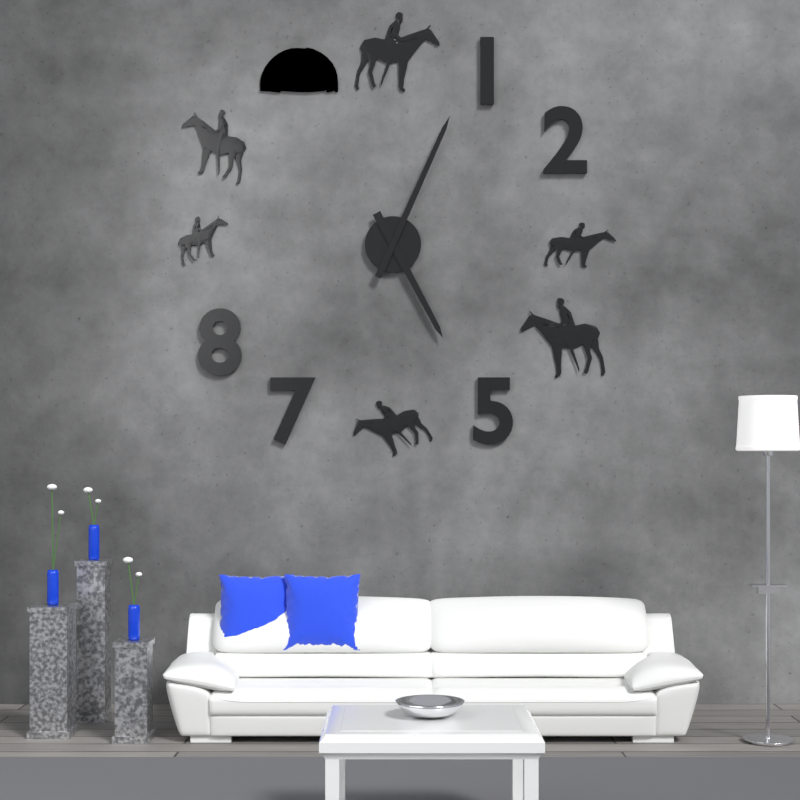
h=5 m=4
